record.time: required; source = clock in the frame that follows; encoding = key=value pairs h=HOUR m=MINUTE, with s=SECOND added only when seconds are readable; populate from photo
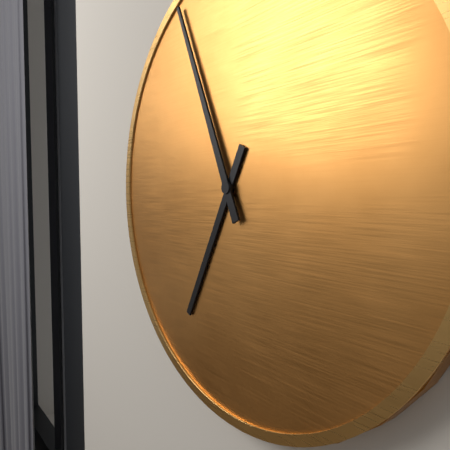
h=6 m=56
